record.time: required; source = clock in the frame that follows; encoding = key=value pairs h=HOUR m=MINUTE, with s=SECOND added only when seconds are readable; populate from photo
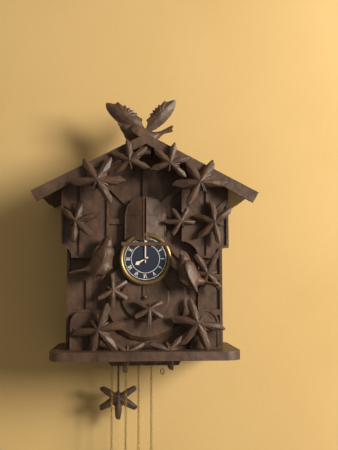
h=8 m=0
